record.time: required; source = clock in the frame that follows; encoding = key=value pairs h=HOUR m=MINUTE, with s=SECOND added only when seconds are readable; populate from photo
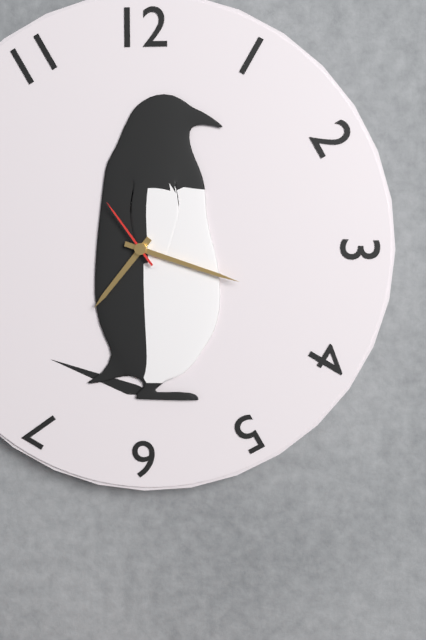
h=7 m=18 s=54
